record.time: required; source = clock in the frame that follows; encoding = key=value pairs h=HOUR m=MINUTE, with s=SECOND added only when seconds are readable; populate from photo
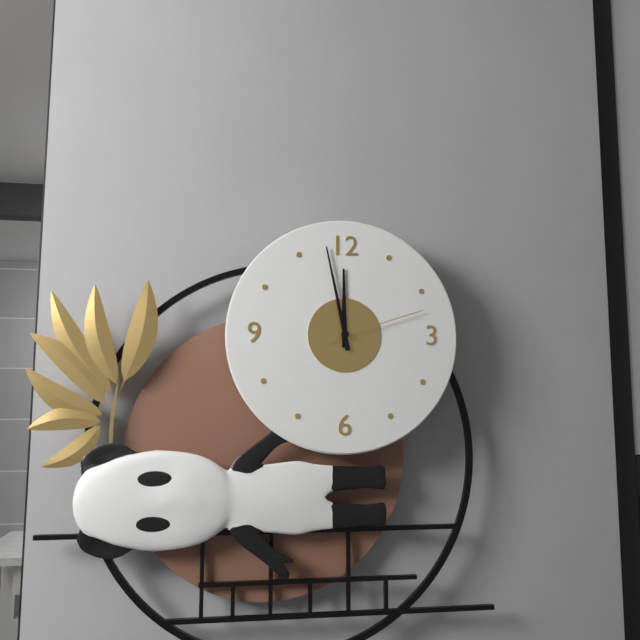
h=11 m=58 s=12
